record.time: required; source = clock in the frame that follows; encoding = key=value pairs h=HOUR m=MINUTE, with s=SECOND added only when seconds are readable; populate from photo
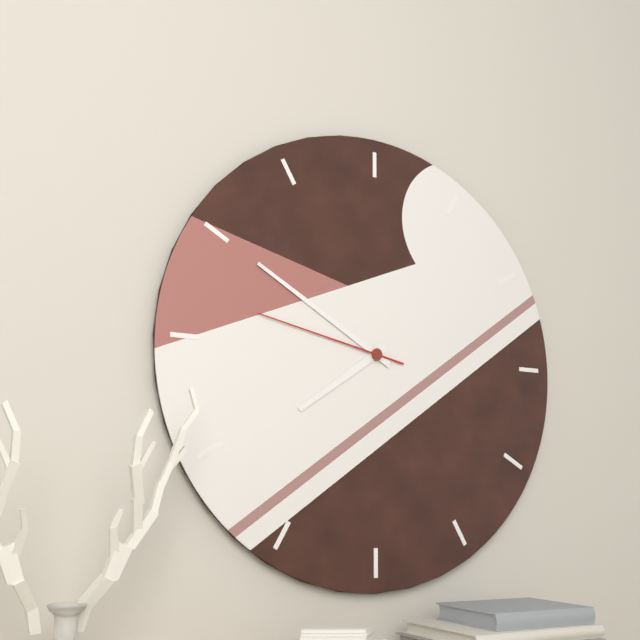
h=7 m=50 s=47
